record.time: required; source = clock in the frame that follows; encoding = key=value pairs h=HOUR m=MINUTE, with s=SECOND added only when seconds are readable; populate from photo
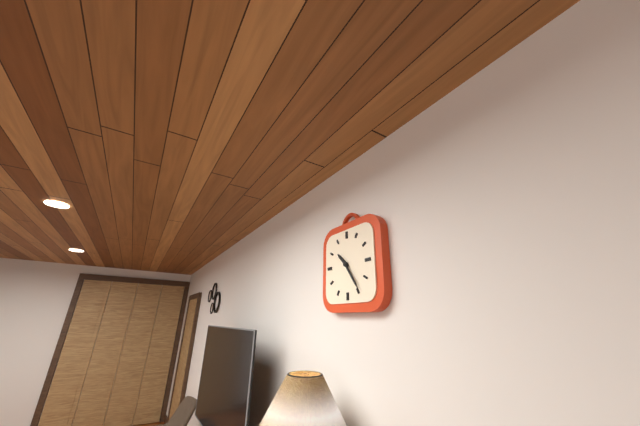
h=10 m=24
